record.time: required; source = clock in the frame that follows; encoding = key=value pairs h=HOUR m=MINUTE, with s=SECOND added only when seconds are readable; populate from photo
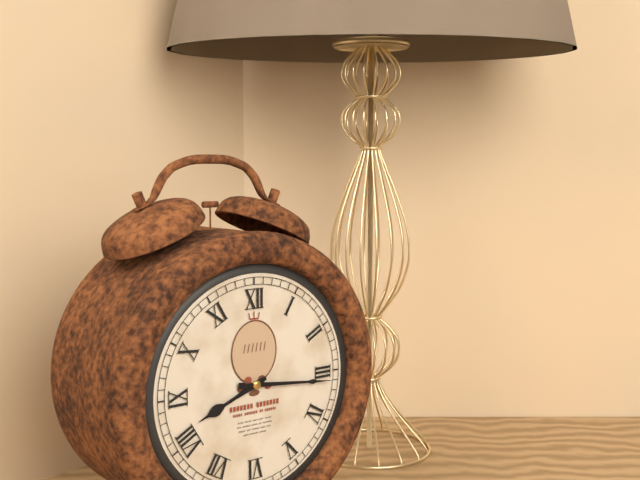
h=8 m=16
